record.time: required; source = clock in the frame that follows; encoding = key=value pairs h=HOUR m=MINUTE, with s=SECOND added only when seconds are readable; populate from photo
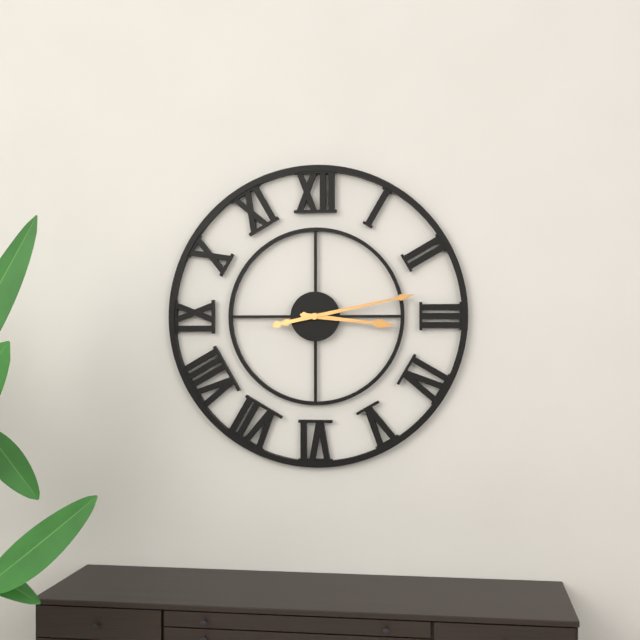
h=3 m=13
